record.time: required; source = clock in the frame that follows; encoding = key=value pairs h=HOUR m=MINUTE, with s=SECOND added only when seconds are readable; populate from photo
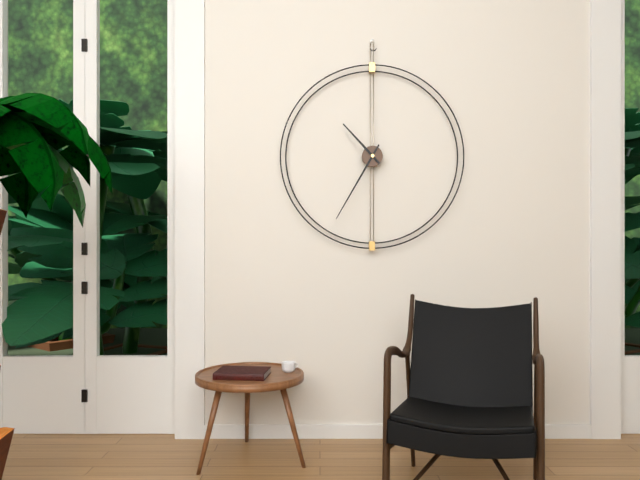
h=10 m=35
